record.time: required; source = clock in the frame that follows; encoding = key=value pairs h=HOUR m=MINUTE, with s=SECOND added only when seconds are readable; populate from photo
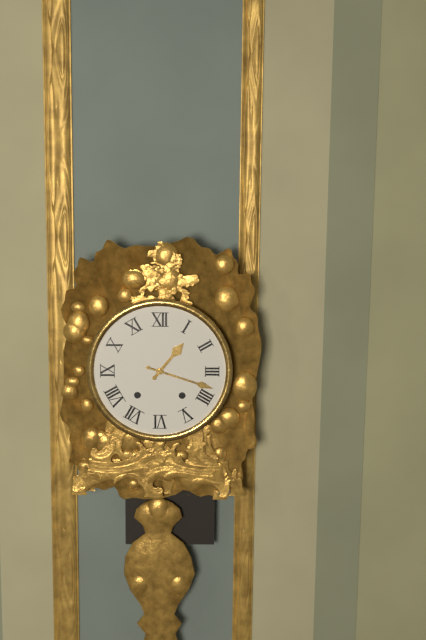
h=1 m=18
